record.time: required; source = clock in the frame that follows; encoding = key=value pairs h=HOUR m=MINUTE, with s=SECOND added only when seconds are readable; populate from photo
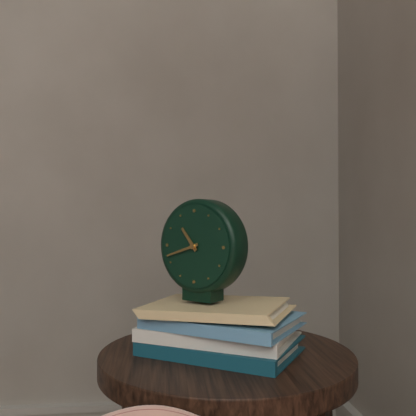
h=10 m=42
